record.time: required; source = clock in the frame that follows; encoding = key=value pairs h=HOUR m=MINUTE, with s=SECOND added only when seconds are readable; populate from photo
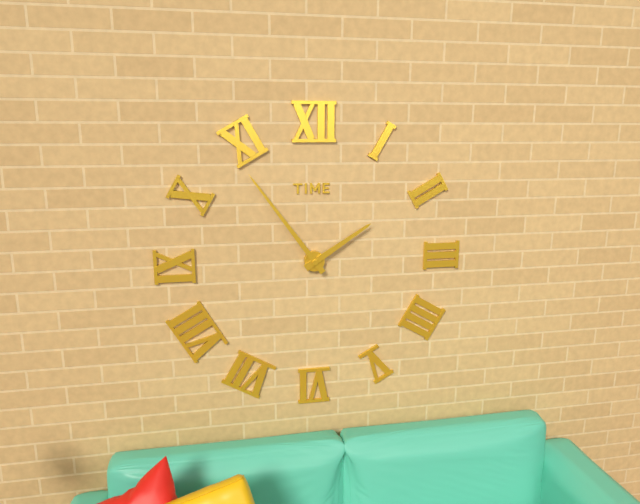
h=1 m=54
